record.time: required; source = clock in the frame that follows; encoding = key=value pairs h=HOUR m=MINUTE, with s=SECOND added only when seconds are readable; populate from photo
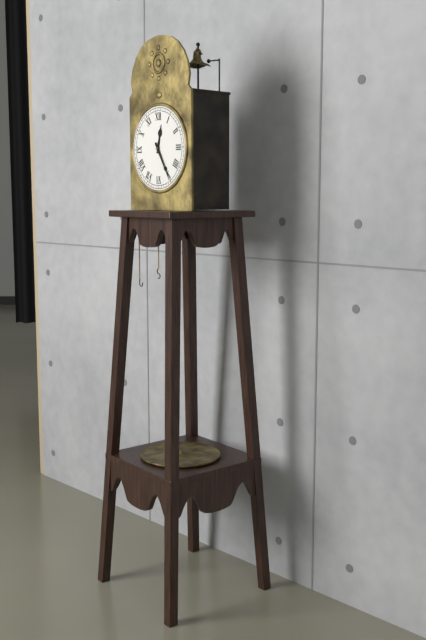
h=12 m=25
